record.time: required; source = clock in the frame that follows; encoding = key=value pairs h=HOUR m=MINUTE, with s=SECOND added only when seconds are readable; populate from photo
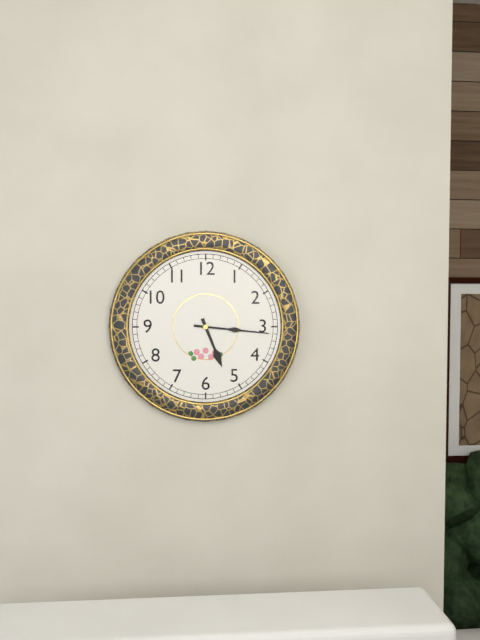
h=5 m=16
